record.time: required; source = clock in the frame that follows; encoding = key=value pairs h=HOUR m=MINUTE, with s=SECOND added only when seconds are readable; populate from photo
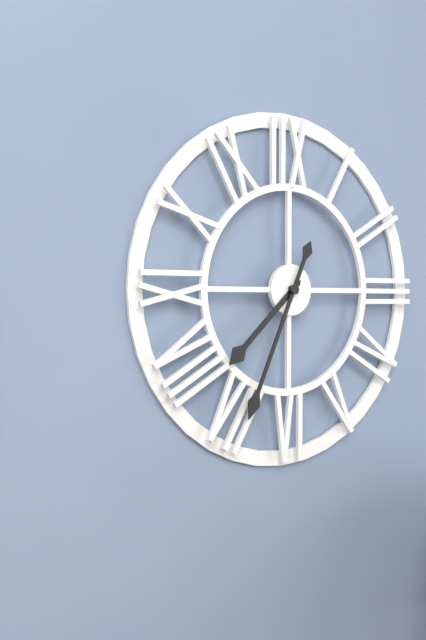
h=7 m=34
